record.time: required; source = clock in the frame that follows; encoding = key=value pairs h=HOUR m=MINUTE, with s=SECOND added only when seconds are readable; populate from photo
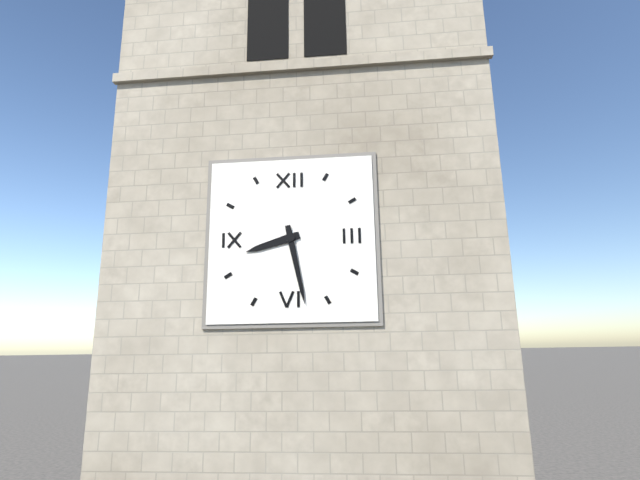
h=8 m=28
